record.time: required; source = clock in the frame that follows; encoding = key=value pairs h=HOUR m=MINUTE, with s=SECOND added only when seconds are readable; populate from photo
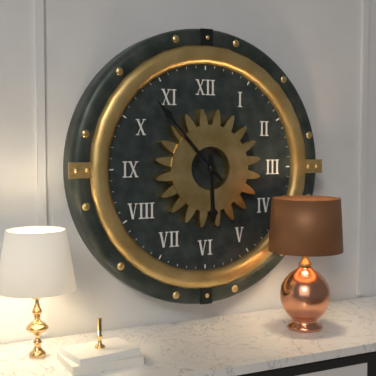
h=5 m=53
